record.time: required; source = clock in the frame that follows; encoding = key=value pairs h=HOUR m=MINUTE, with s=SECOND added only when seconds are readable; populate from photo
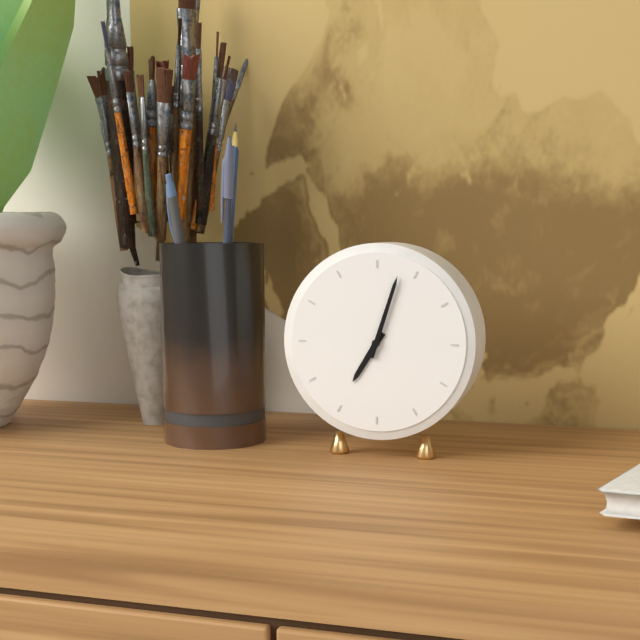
h=7 m=3
